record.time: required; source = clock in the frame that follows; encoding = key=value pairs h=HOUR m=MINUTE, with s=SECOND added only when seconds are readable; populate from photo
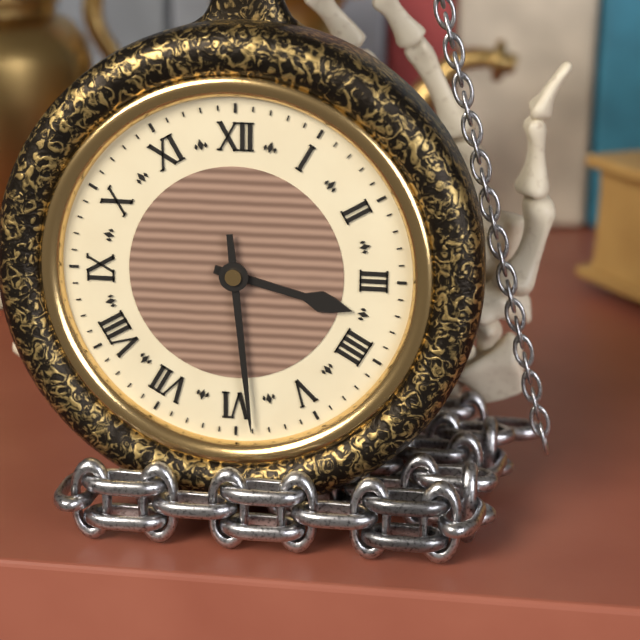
h=3 m=29
